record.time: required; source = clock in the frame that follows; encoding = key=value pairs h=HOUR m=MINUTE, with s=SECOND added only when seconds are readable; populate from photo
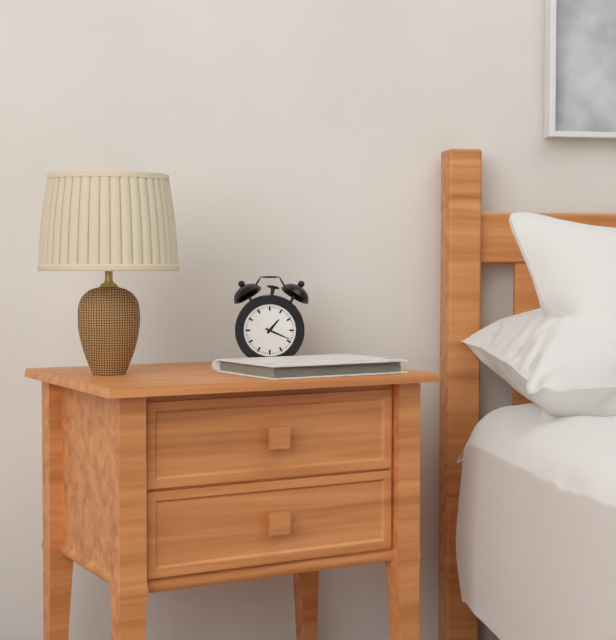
h=1 m=19
